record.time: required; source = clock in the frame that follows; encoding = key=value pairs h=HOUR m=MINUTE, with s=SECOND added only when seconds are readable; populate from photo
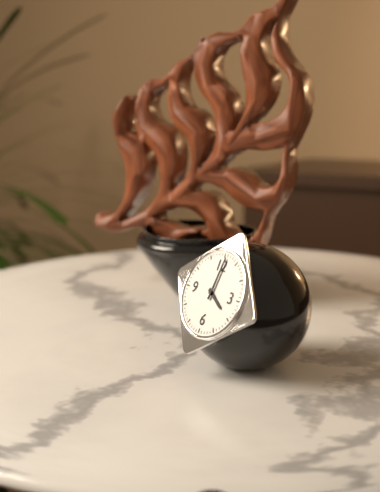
h=4 m=1
